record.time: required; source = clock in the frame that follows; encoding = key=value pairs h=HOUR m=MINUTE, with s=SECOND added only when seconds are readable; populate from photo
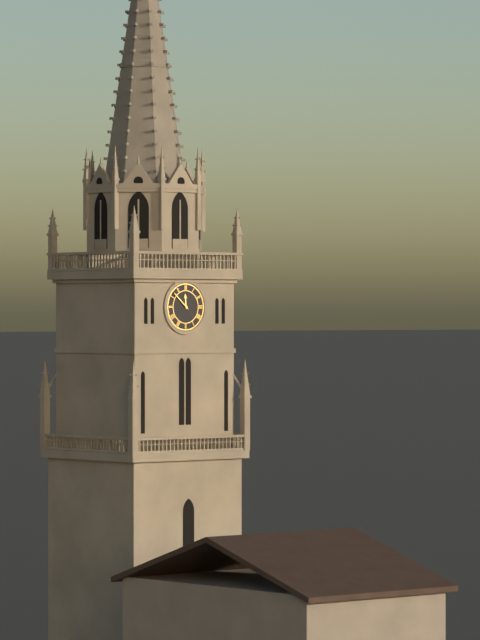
h=11 m=52
